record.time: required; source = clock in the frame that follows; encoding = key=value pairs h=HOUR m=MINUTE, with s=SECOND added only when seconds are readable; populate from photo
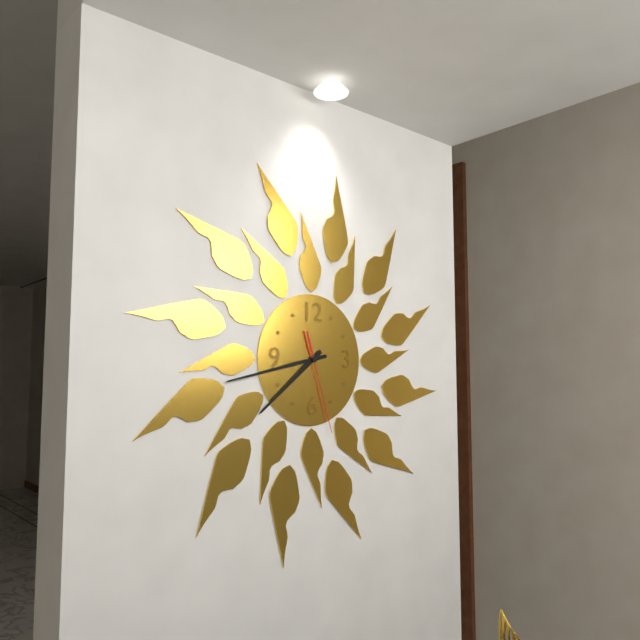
h=7 m=43 s=27
